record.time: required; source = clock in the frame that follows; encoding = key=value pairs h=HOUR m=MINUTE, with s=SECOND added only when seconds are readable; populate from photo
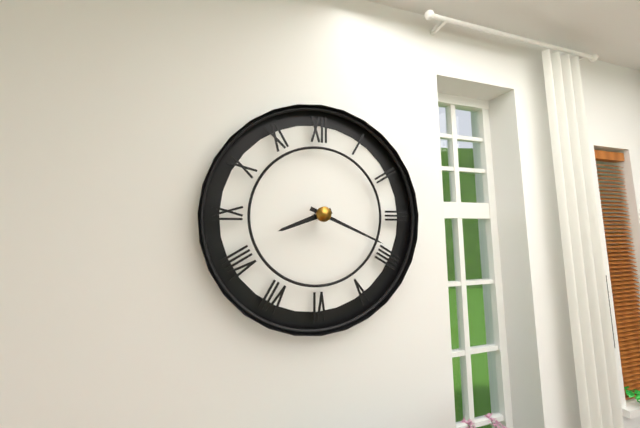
h=8 m=19
